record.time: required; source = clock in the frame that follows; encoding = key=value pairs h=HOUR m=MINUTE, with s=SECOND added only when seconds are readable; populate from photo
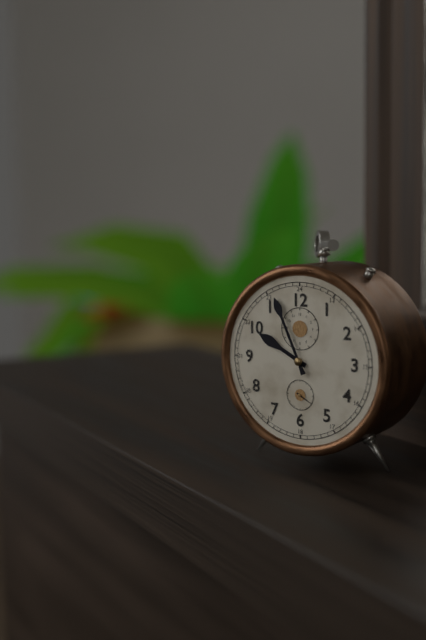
h=9 m=56
